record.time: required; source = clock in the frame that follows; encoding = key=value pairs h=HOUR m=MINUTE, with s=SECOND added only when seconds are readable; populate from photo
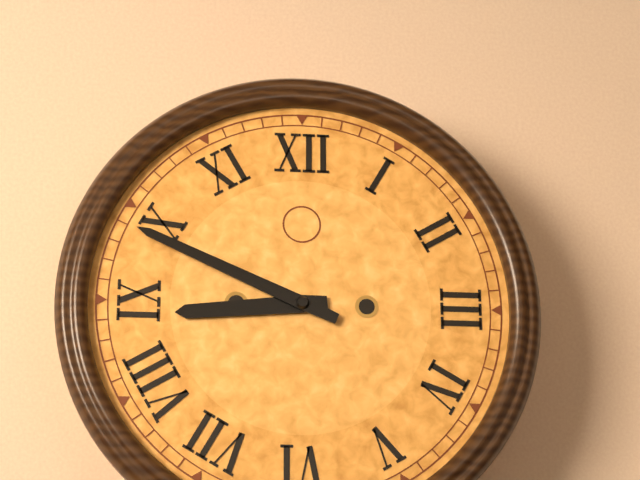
h=8 m=49
